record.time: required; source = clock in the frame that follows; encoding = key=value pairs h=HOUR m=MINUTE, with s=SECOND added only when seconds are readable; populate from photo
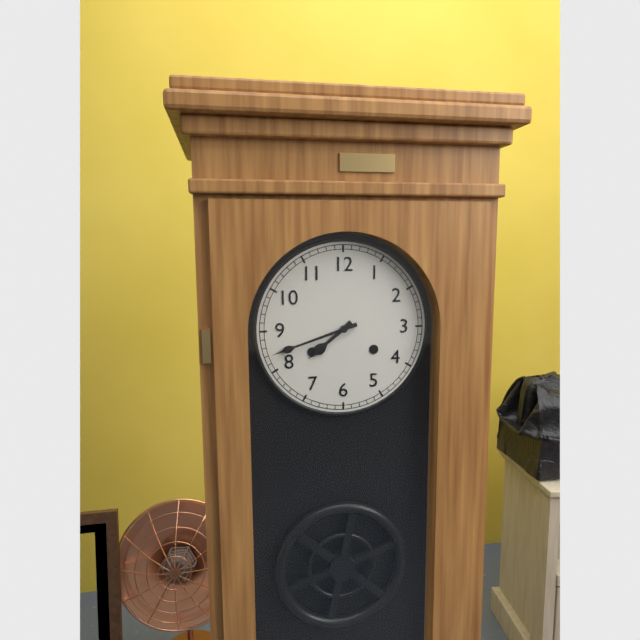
h=7 m=42
